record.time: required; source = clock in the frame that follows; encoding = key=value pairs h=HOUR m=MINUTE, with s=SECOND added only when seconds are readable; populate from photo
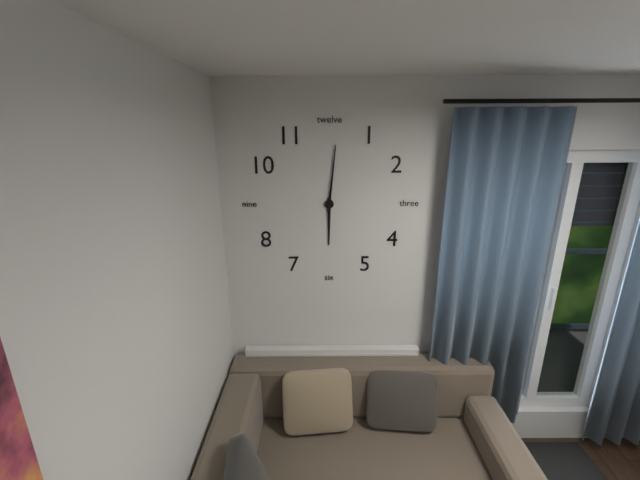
h=6 m=1
